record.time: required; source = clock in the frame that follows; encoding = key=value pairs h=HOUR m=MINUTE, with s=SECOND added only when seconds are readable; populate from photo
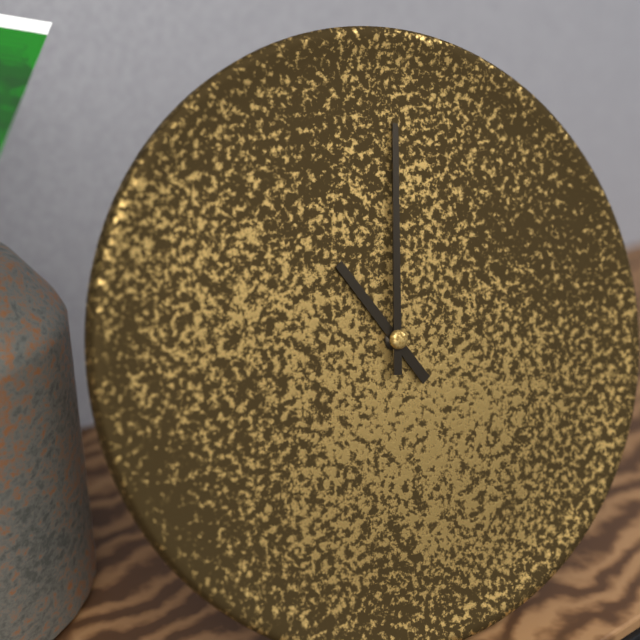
h=11 m=2
